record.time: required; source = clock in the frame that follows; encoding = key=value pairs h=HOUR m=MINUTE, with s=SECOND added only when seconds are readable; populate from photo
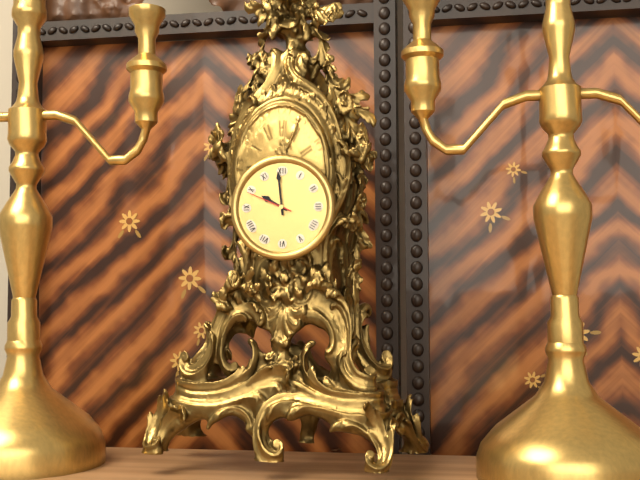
h=9 m=59
